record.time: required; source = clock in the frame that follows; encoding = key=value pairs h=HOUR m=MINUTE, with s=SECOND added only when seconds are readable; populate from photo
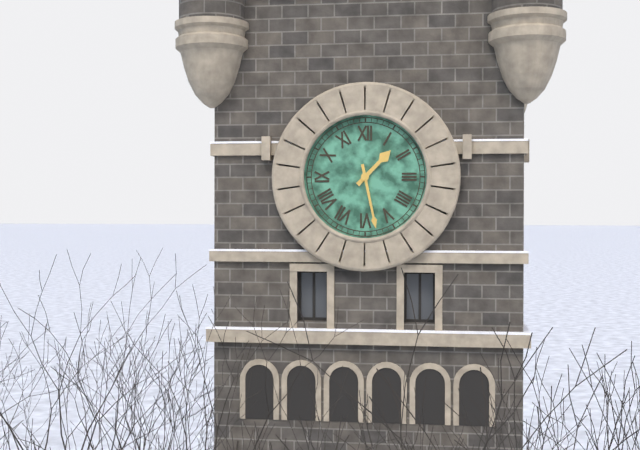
h=1 m=28
